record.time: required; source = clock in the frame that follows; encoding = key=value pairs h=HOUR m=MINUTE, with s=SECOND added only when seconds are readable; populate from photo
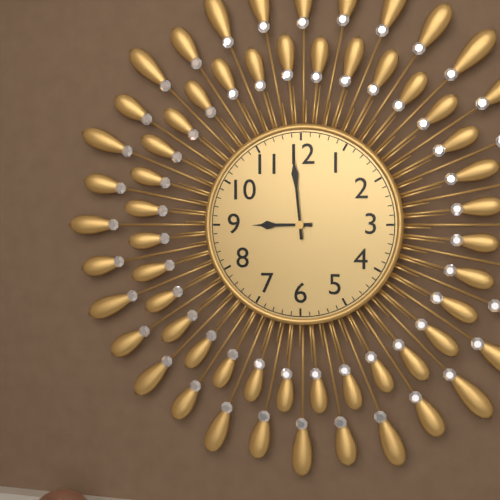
h=8 m=59
